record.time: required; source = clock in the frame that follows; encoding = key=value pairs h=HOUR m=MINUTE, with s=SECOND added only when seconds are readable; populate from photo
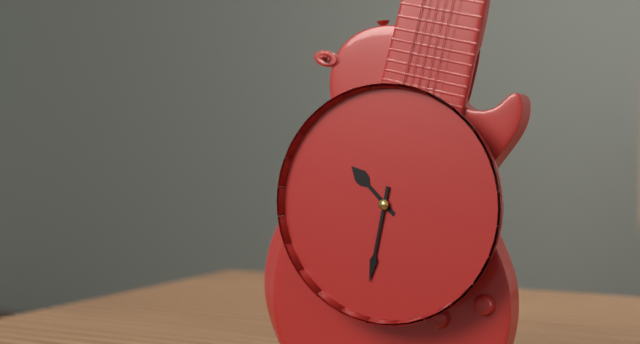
h=10 m=32
